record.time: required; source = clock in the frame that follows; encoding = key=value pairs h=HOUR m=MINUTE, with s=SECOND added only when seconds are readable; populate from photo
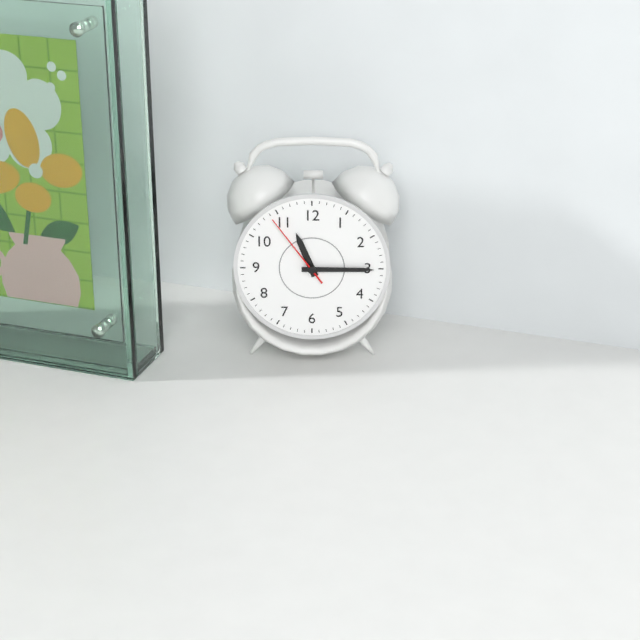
h=11 m=15 s=54
